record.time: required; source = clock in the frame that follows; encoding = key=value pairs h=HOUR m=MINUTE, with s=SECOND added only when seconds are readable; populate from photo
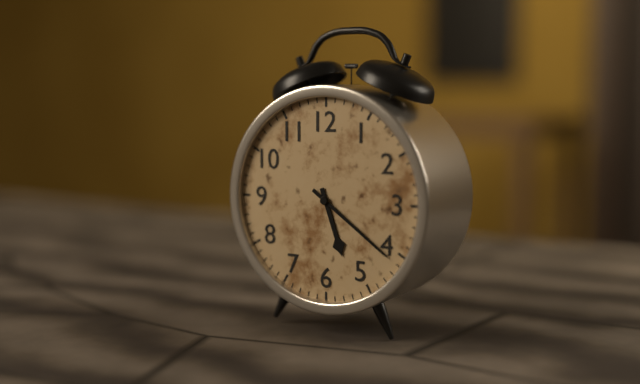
h=5 m=21
